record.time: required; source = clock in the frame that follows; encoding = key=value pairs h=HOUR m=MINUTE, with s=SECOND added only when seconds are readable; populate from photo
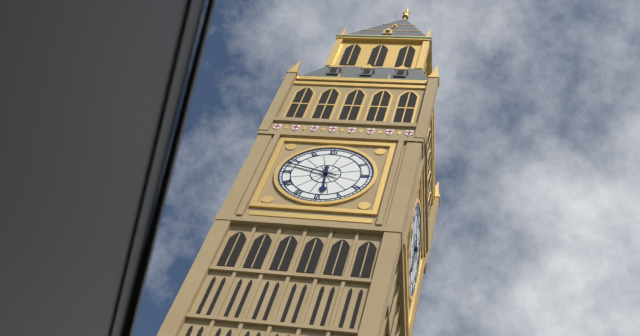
h=5 m=48
